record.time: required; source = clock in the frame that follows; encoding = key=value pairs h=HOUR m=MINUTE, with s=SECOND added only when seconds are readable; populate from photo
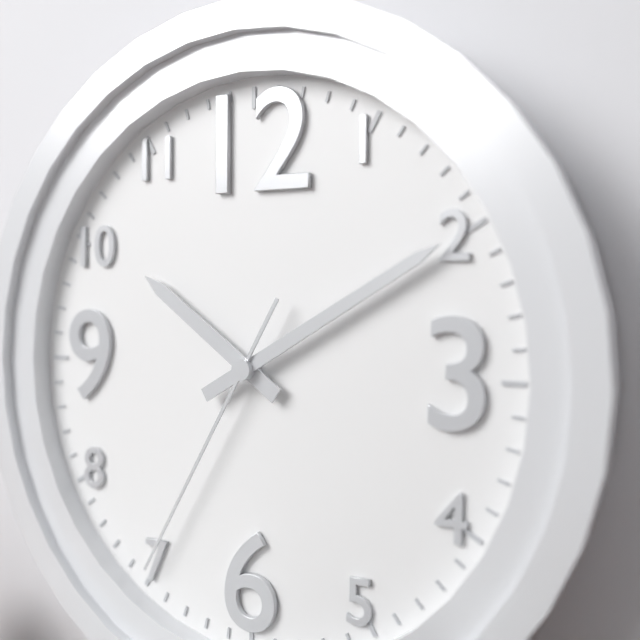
h=10 m=10 s=35
